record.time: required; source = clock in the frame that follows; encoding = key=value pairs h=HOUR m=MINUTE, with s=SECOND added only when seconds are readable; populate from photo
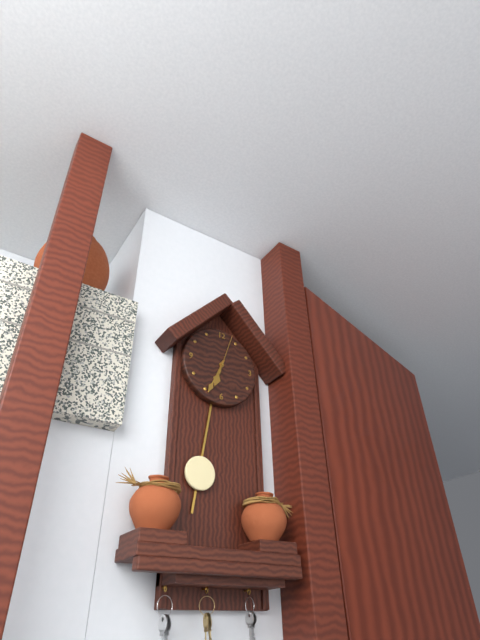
h=6 m=34
